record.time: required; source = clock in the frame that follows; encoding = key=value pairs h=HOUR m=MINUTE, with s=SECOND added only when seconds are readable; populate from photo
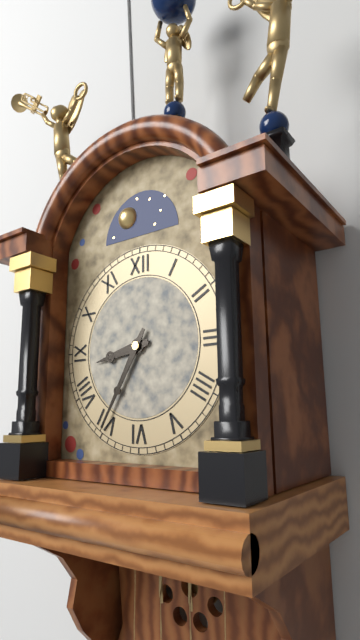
h=8 m=35
